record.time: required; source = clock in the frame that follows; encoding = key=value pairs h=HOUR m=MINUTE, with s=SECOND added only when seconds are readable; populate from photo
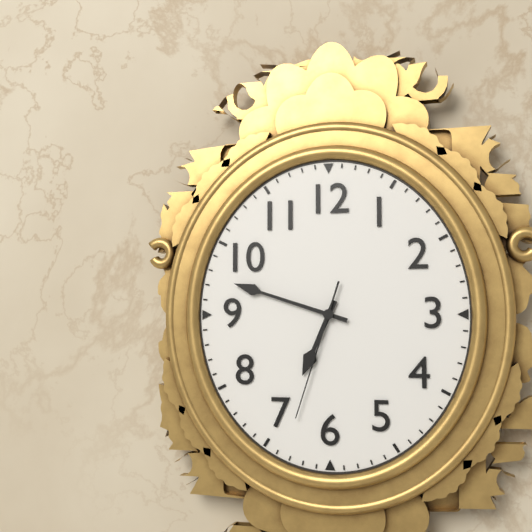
h=6 m=48 s=33
